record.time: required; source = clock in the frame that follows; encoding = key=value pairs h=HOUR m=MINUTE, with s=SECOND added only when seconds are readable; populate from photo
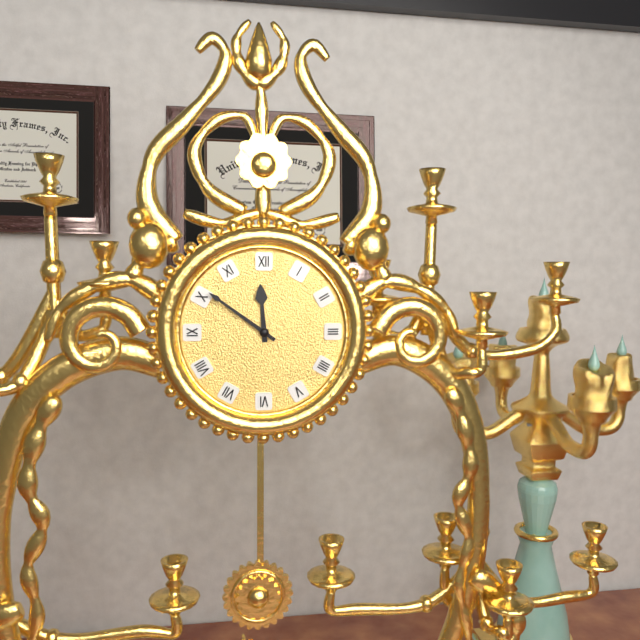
h=11 m=51
